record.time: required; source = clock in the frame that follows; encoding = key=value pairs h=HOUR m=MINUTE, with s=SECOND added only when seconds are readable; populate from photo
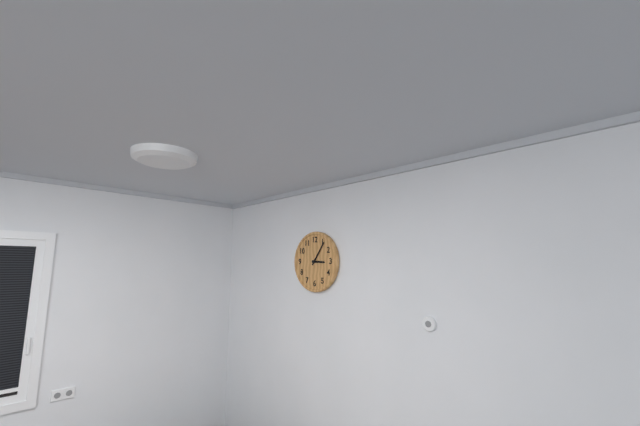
h=3 m=6
